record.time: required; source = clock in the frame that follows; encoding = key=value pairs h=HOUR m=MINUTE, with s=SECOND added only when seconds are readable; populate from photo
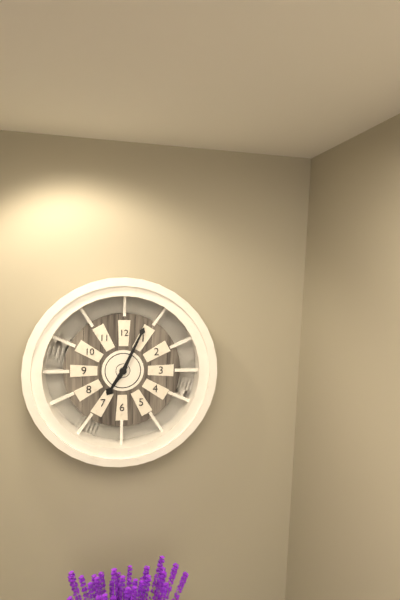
h=7 m=4
